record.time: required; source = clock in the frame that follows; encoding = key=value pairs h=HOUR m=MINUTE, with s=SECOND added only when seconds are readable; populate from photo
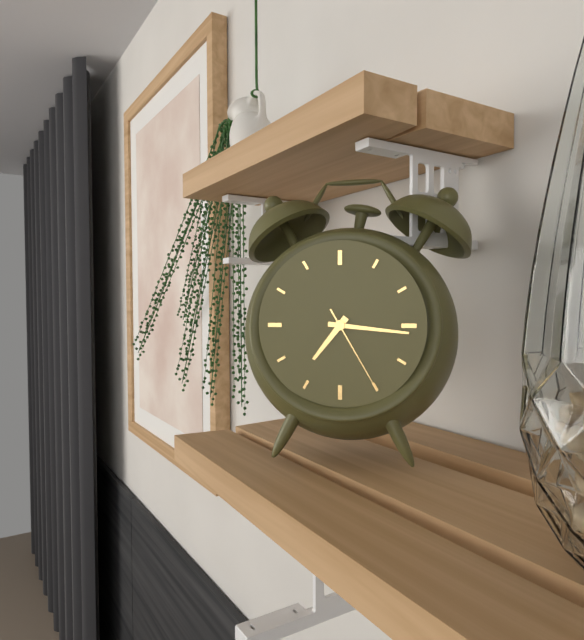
h=7 m=16 s=25
